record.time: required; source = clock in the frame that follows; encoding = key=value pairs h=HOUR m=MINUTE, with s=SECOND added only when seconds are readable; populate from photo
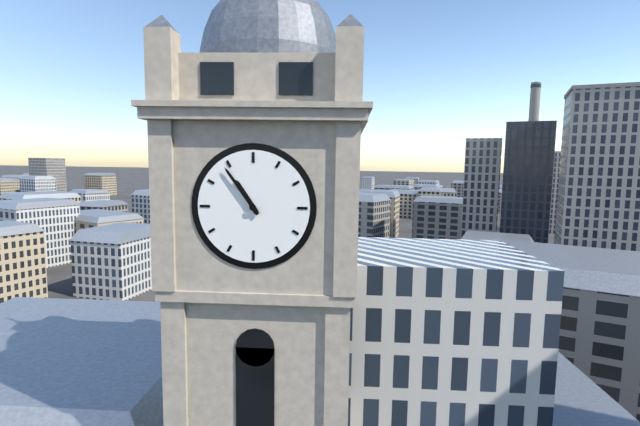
h=10 m=54
